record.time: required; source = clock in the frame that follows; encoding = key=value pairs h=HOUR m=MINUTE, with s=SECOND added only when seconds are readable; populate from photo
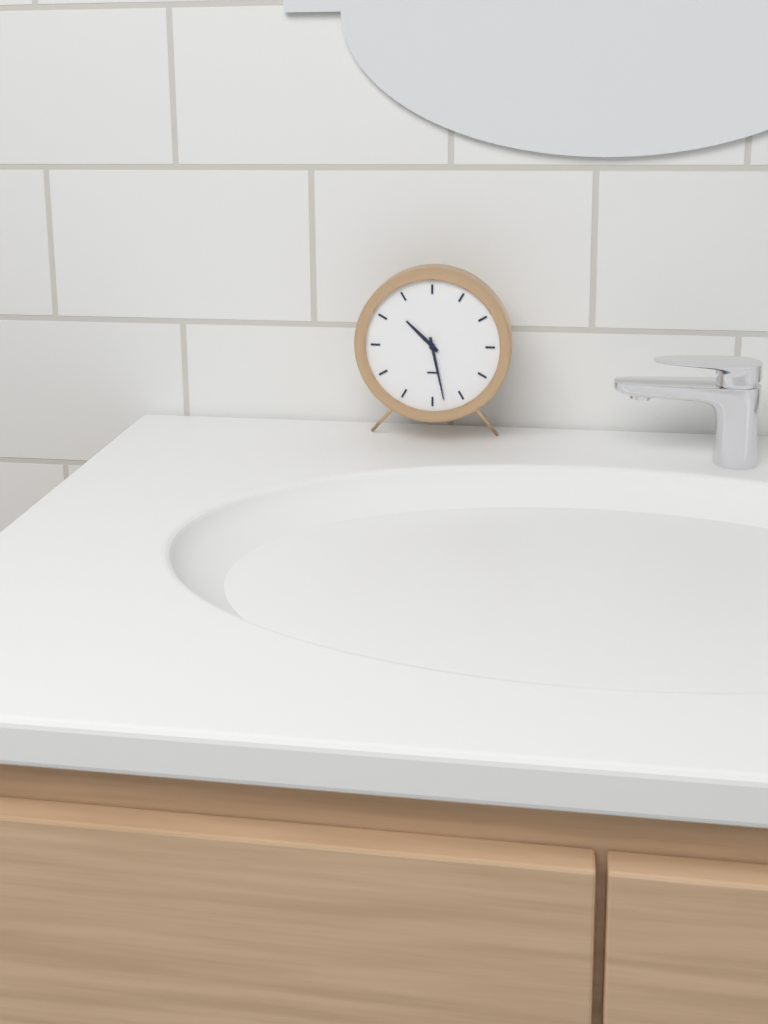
h=10 m=28
